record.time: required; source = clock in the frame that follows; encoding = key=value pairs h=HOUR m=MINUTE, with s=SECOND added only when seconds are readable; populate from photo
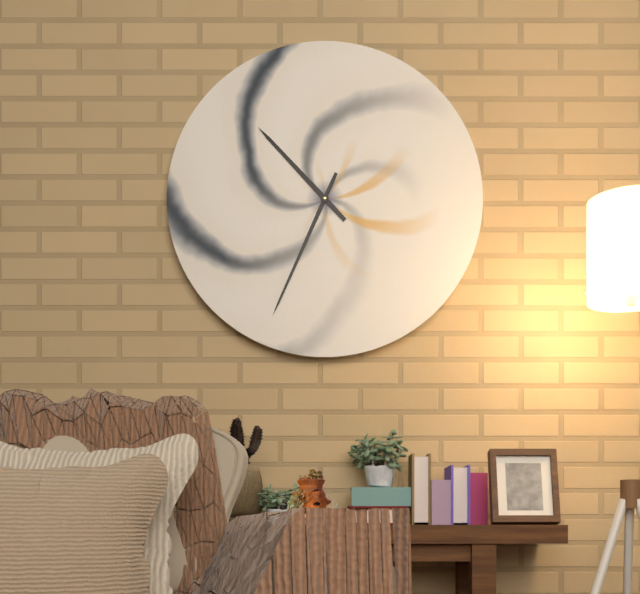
h=10 m=34
